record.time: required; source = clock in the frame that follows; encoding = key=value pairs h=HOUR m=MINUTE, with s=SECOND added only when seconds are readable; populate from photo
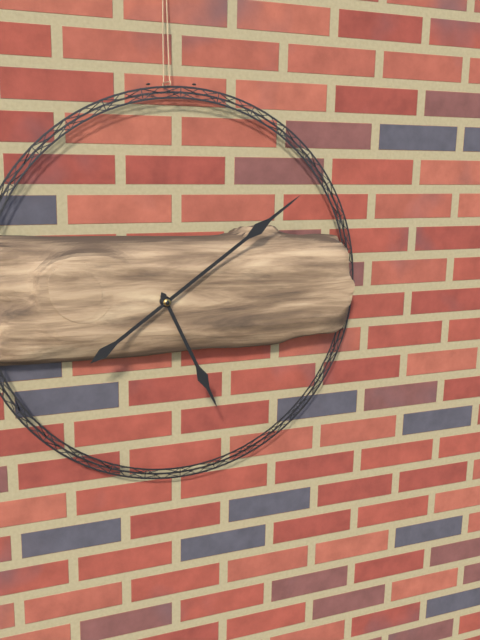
h=5 m=9
